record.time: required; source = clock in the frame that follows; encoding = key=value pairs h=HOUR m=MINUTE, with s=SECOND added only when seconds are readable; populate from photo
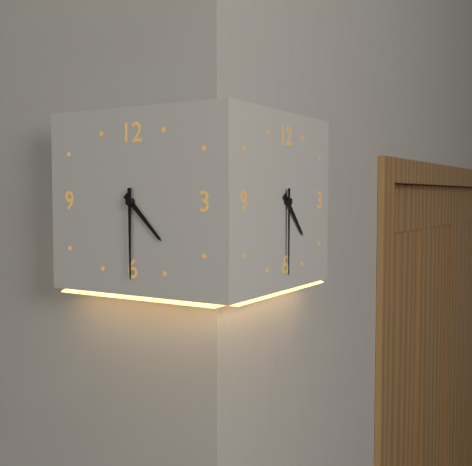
h=4 m=30
